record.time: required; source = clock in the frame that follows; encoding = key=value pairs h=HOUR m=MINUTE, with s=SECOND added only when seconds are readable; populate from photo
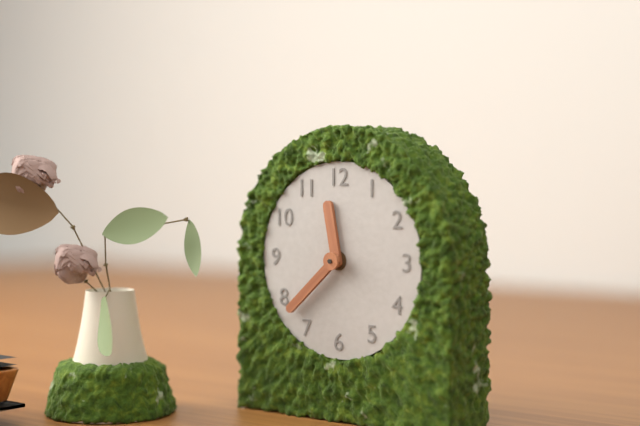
h=11 m=38
